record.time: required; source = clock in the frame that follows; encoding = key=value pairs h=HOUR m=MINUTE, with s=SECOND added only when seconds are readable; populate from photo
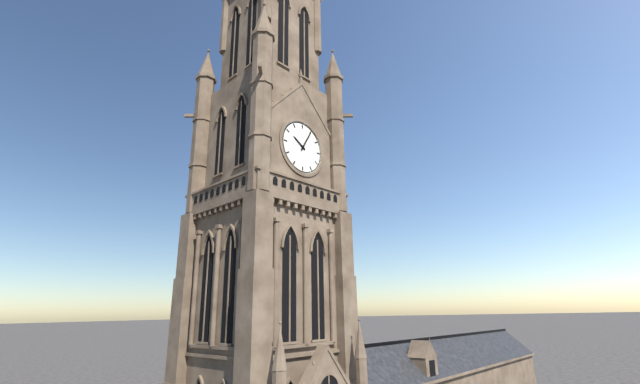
h=10 m=5
